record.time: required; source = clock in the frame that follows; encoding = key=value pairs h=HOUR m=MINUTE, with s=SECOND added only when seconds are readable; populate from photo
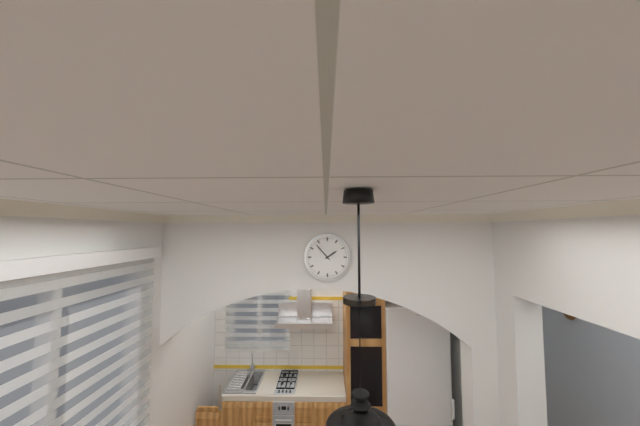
h=1 m=53
